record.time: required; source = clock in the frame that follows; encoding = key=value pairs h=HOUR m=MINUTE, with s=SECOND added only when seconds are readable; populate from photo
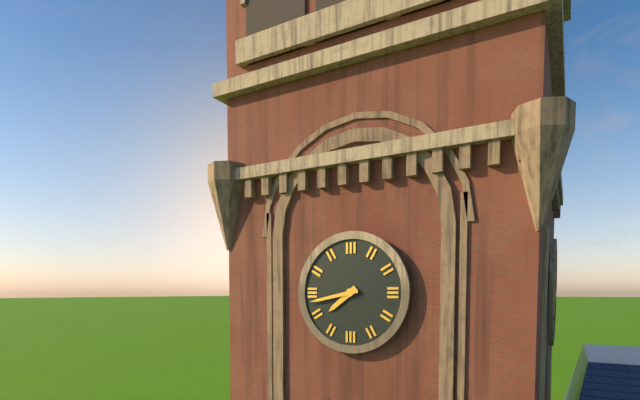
h=7 m=43
